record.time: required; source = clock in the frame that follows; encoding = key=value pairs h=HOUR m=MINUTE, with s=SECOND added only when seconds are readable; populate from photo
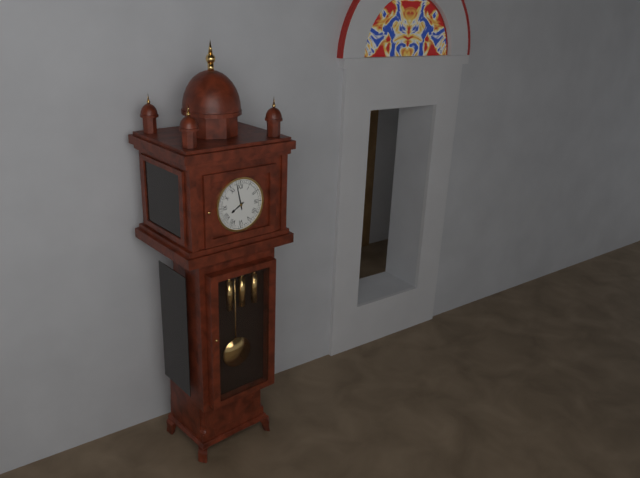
h=7 m=58
